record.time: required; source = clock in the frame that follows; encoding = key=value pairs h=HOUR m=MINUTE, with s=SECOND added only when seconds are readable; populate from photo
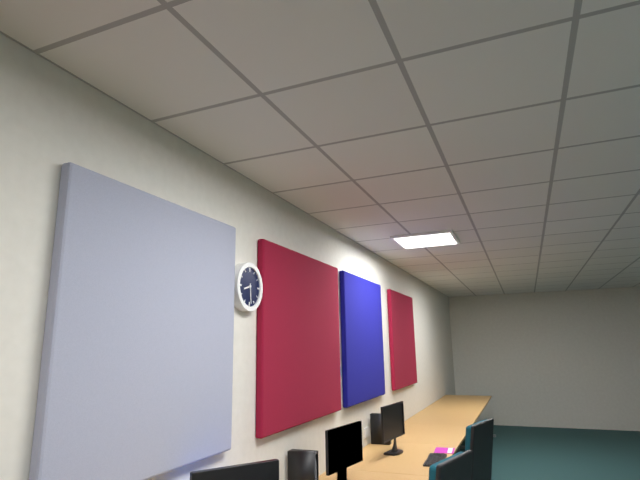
h=8 m=29
